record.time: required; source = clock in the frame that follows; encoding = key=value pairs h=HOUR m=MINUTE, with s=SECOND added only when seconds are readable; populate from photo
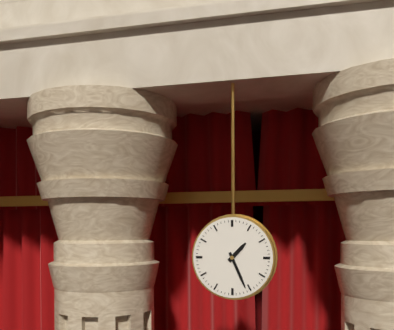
h=1 m=26
